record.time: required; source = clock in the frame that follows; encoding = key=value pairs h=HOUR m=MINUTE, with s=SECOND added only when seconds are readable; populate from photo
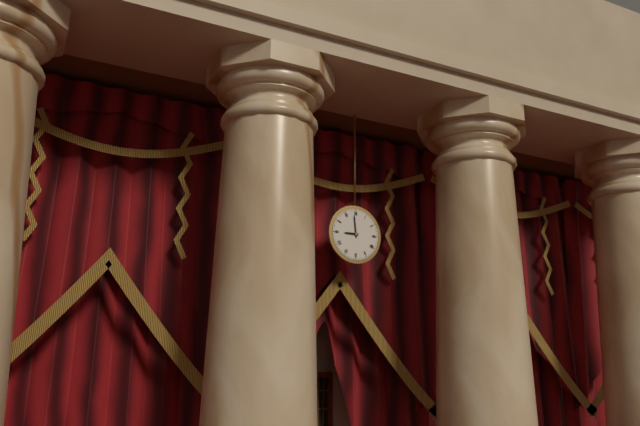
h=8 m=59
